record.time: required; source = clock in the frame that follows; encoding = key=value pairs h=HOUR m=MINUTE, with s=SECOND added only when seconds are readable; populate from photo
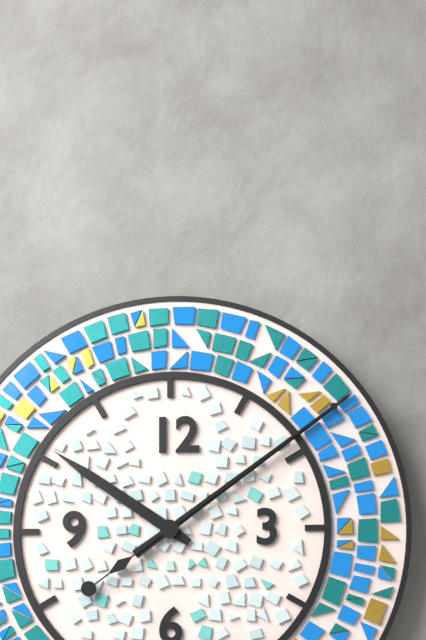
h=10 m=9 s=9
